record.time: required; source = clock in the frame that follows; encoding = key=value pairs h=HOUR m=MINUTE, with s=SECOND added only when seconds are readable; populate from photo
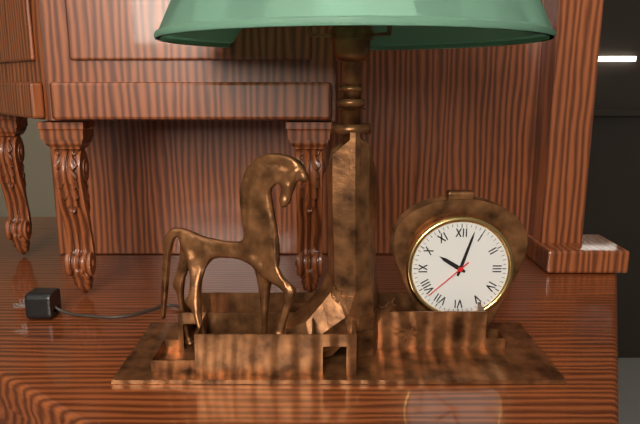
h=10 m=3 s=38
